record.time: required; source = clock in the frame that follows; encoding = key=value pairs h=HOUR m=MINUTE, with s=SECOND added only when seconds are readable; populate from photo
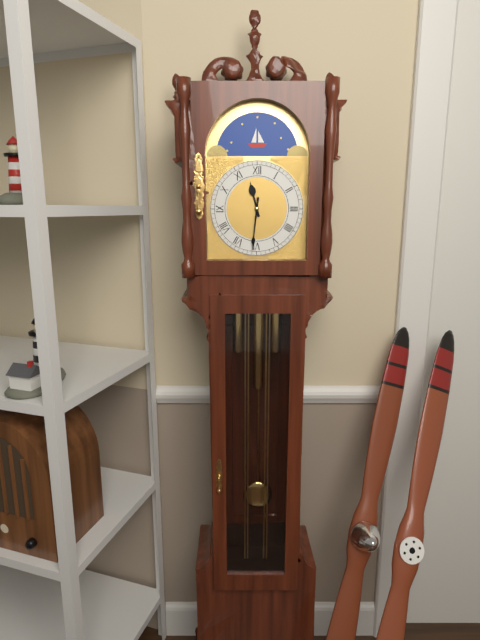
h=11 m=31
